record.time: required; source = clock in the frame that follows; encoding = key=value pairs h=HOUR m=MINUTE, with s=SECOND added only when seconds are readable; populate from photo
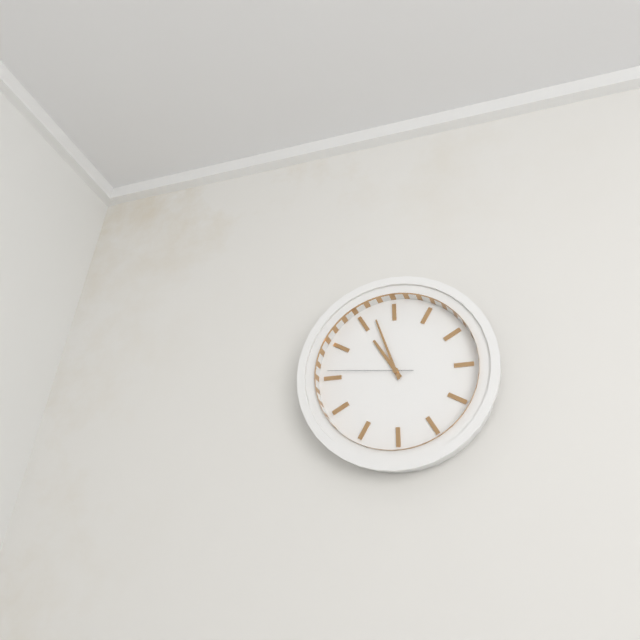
h=10 m=57 s=46
